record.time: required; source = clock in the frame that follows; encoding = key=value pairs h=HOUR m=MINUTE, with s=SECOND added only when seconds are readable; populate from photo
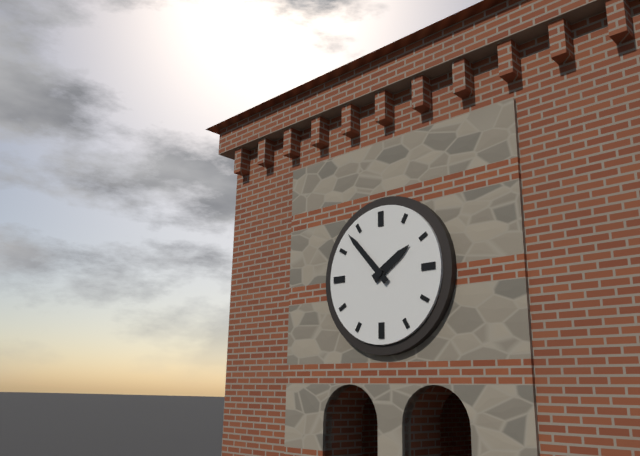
h=1 m=53
